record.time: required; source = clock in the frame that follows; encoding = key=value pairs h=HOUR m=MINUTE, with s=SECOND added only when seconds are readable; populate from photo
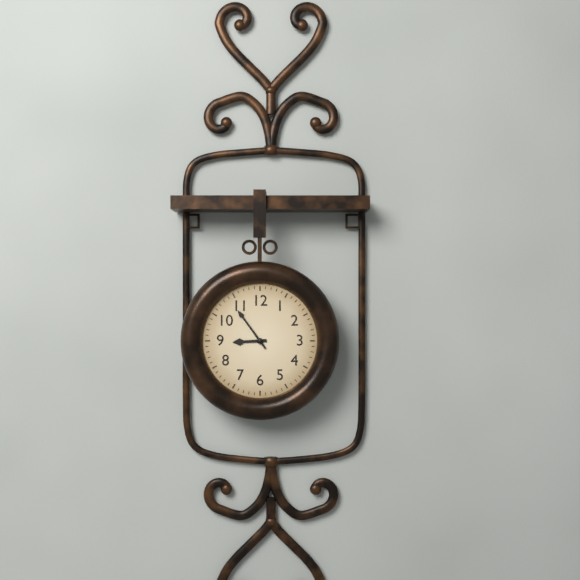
h=8 m=54
